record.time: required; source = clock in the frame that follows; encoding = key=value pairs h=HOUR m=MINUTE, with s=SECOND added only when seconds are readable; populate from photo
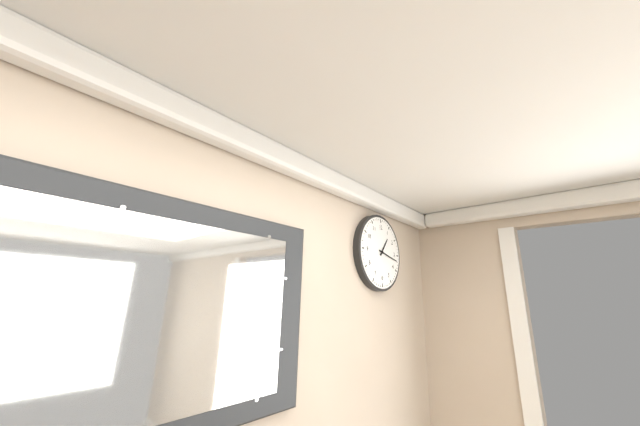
h=1 m=17
